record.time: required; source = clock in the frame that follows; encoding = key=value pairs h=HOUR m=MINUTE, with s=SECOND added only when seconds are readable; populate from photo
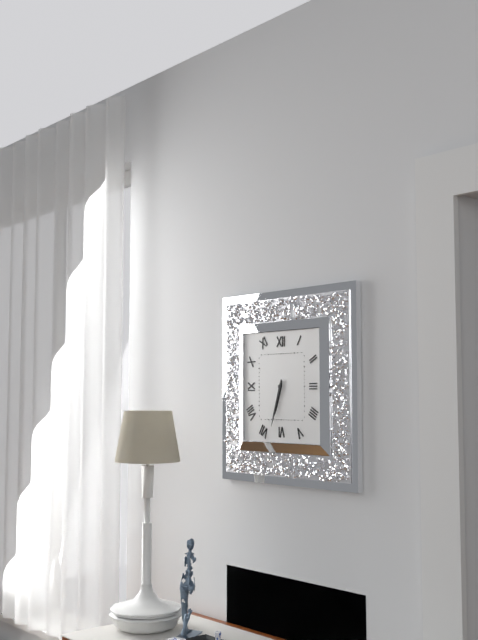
h=6 m=33
